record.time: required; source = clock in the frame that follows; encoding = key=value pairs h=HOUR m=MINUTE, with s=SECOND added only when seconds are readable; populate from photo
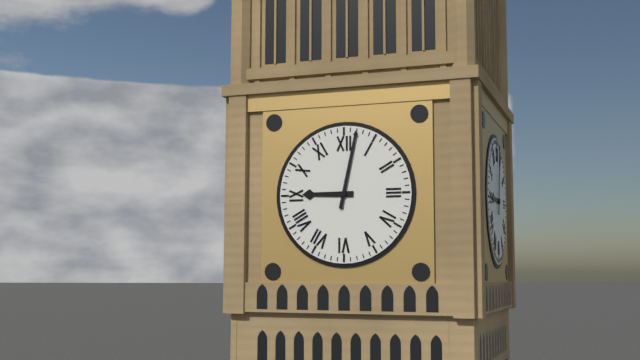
h=9 m=2
